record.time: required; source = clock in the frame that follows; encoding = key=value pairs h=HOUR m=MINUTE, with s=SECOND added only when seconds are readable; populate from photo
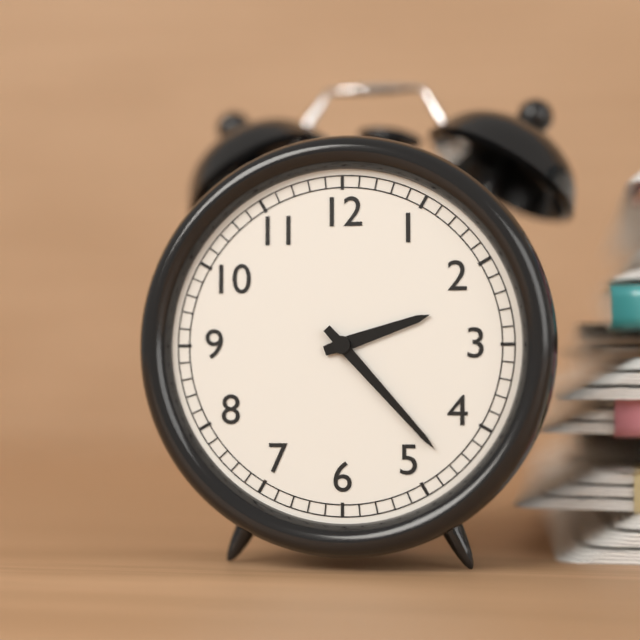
h=2 m=23
